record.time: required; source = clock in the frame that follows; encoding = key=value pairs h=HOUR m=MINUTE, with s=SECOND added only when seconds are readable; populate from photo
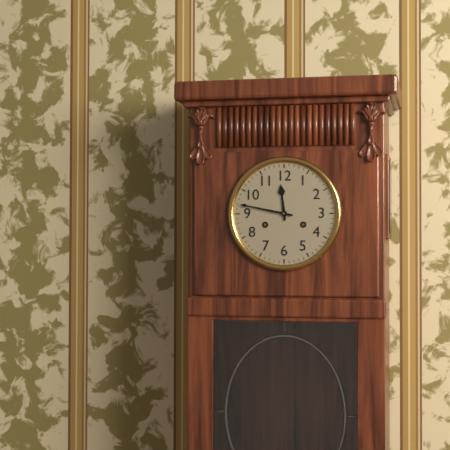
h=11 m=47
